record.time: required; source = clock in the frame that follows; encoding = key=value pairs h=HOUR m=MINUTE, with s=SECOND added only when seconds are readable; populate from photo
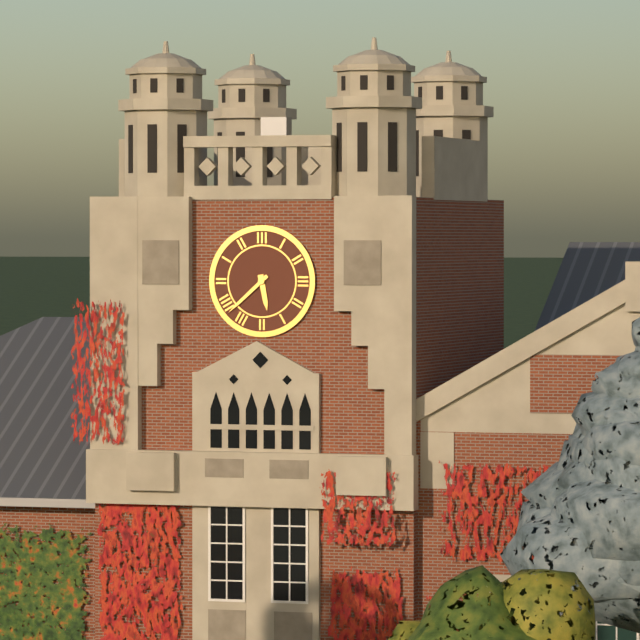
h=5 m=38
